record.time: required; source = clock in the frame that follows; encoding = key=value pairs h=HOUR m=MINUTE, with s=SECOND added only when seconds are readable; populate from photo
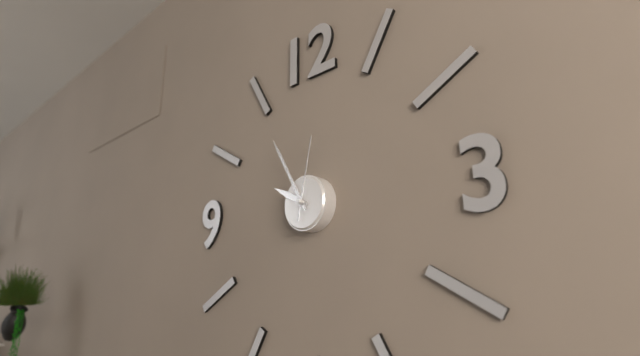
h=9 m=55 s=2
